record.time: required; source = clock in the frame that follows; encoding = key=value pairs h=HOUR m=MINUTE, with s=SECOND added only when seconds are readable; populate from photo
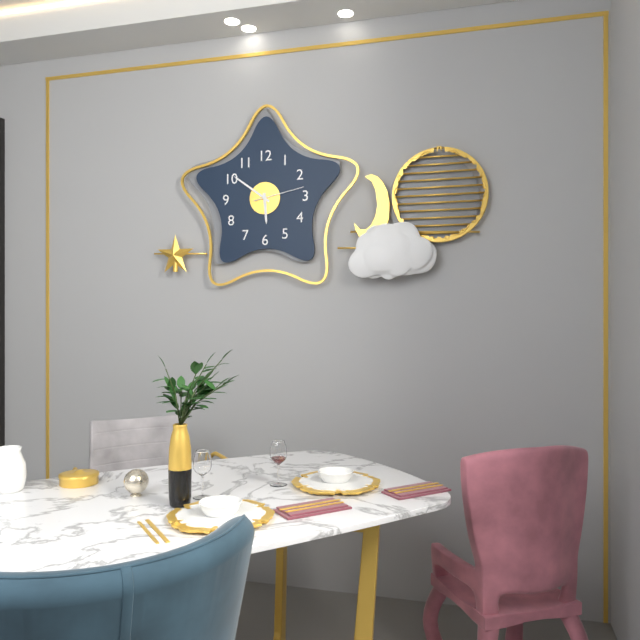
h=5 m=51
